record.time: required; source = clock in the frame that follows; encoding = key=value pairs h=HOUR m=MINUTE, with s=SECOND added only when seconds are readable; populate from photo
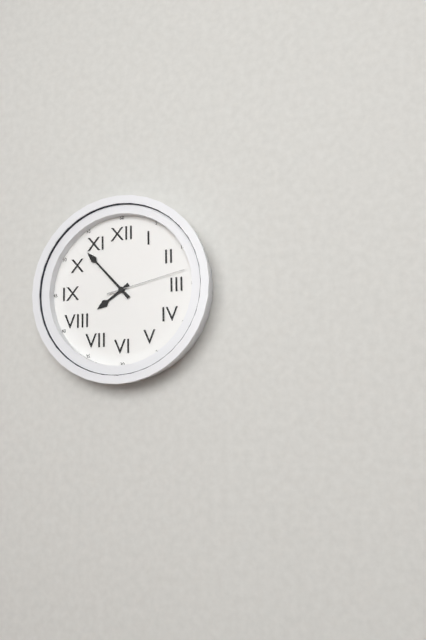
h=7 m=53 s=13
